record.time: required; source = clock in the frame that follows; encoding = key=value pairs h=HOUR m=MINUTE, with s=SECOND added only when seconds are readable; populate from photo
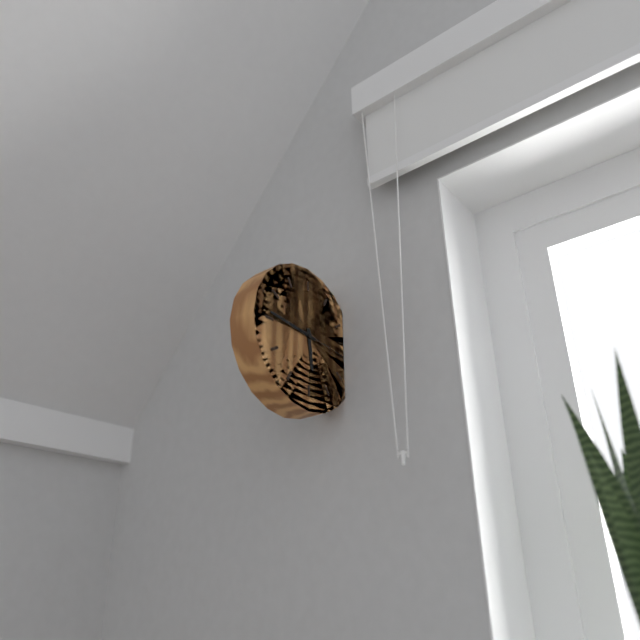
h=5 m=46 s=16
